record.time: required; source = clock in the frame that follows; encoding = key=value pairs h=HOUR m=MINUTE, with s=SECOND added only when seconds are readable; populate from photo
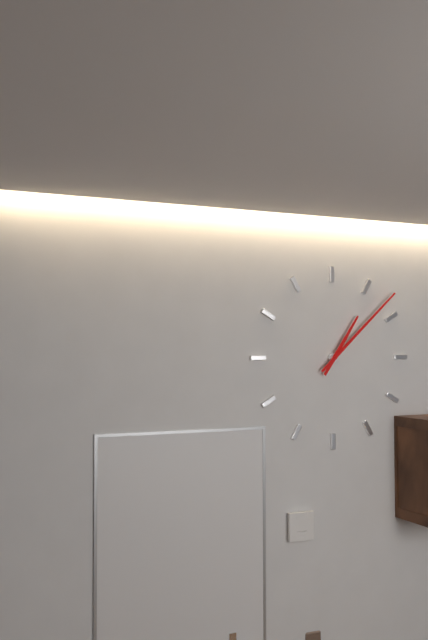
h=1 m=8
